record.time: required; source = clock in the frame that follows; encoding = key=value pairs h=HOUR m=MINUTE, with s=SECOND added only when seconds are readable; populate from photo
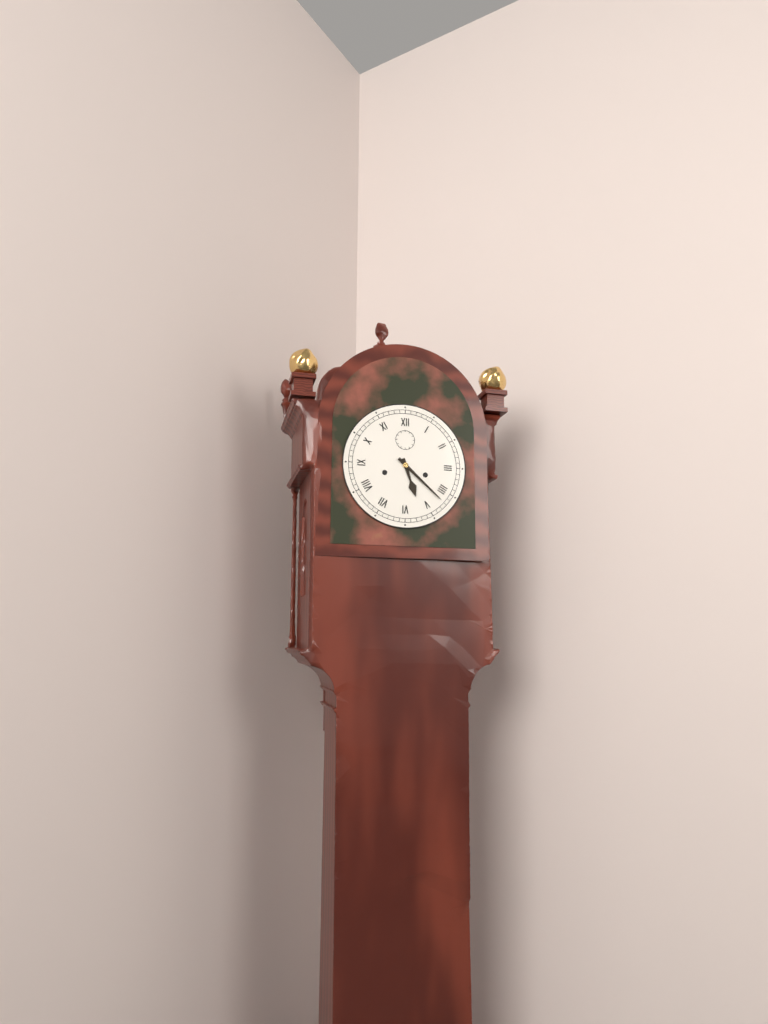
h=5 m=22
